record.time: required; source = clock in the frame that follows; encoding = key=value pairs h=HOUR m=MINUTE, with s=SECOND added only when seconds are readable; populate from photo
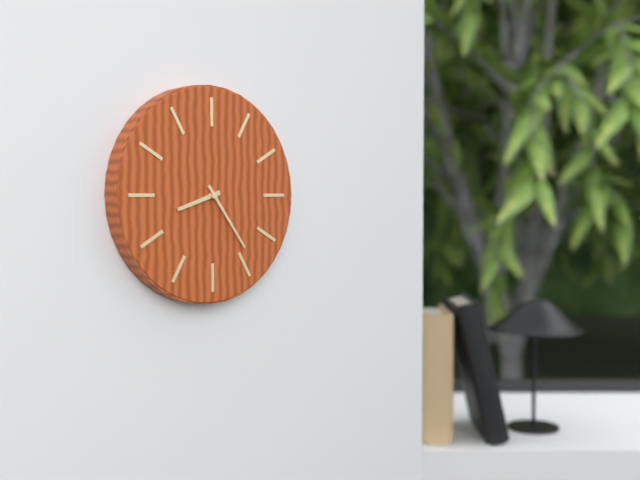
h=8 m=24
